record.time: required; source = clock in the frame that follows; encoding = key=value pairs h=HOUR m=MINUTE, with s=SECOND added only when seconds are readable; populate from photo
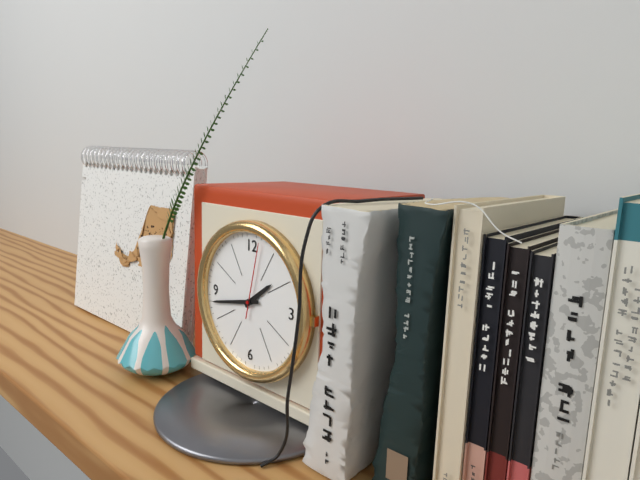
h=1 m=43 s=2
